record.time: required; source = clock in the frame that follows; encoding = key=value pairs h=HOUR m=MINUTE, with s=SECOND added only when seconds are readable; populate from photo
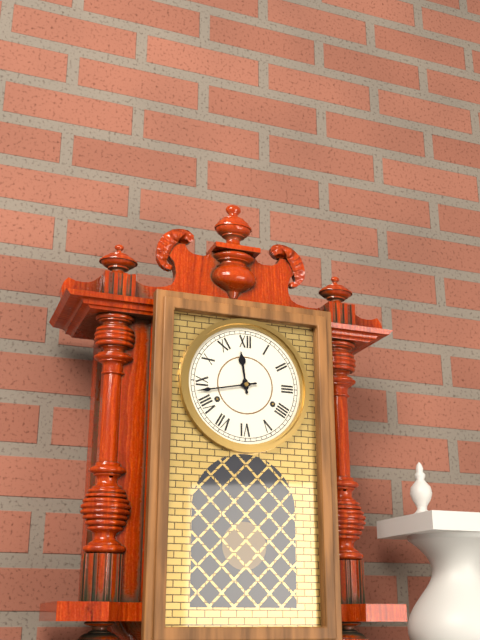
h=11 m=43
